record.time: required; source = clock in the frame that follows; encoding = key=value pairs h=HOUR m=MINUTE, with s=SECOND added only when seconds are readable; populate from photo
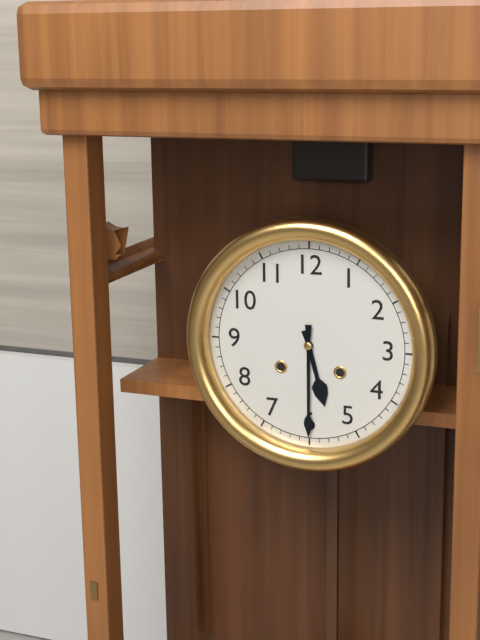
h=5 m=30
